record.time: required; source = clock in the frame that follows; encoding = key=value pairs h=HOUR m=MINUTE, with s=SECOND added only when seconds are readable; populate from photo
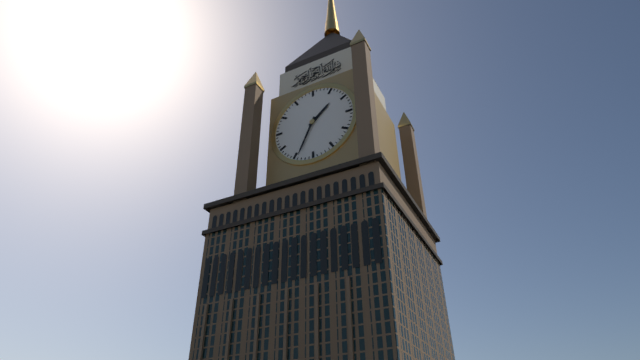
h=1 m=34
